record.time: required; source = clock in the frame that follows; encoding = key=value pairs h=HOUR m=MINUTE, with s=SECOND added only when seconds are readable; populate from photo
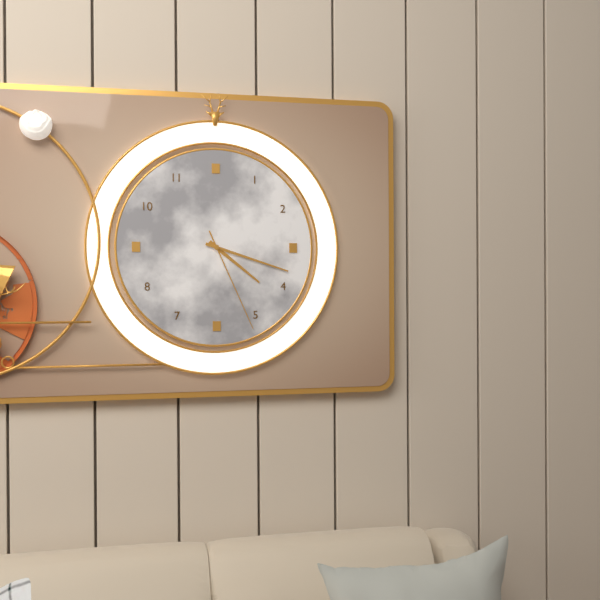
h=4 m=18 s=26
